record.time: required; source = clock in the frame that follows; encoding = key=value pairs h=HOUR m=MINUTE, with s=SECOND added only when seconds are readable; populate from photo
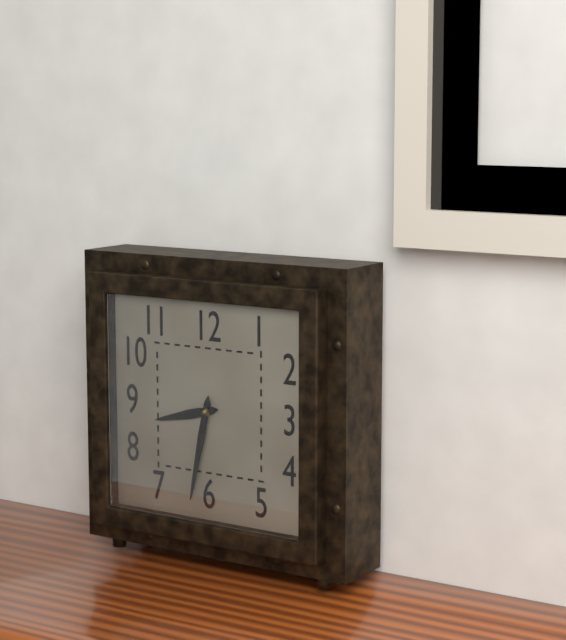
h=8 m=32
